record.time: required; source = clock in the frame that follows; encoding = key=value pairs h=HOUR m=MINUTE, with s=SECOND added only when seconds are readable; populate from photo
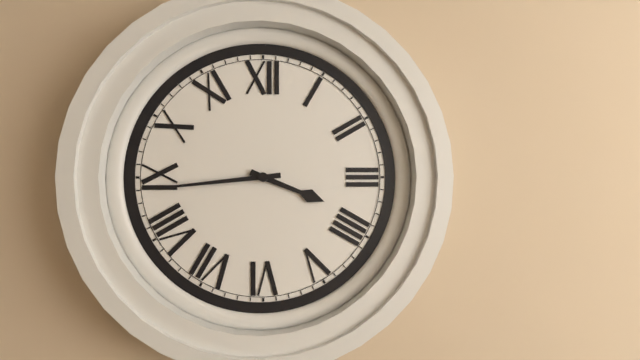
h=3 m=44
